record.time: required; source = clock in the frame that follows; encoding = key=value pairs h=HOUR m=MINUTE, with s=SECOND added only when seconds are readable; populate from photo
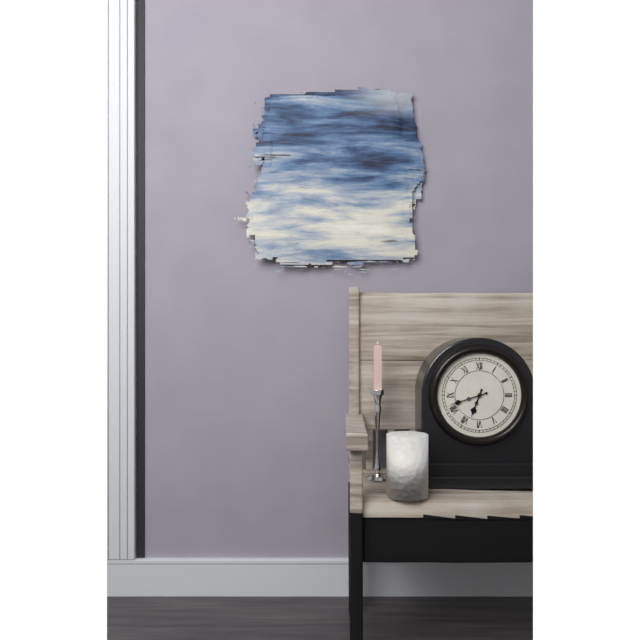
h=6 m=42
